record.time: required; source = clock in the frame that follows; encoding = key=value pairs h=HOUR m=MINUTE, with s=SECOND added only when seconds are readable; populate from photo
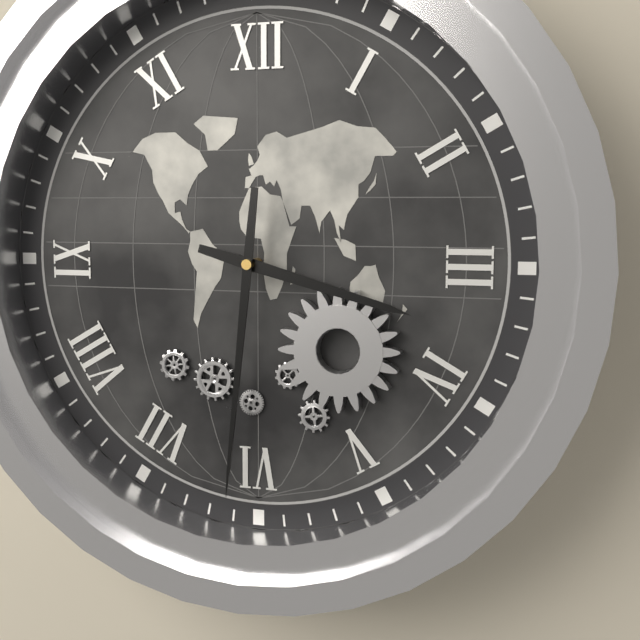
h=3 m=31
